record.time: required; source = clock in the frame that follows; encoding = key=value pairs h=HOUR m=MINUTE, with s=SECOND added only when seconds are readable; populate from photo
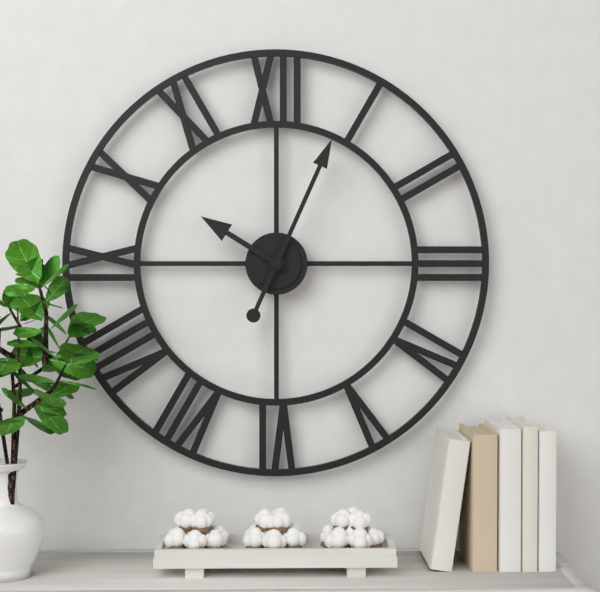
h=10 m=4
